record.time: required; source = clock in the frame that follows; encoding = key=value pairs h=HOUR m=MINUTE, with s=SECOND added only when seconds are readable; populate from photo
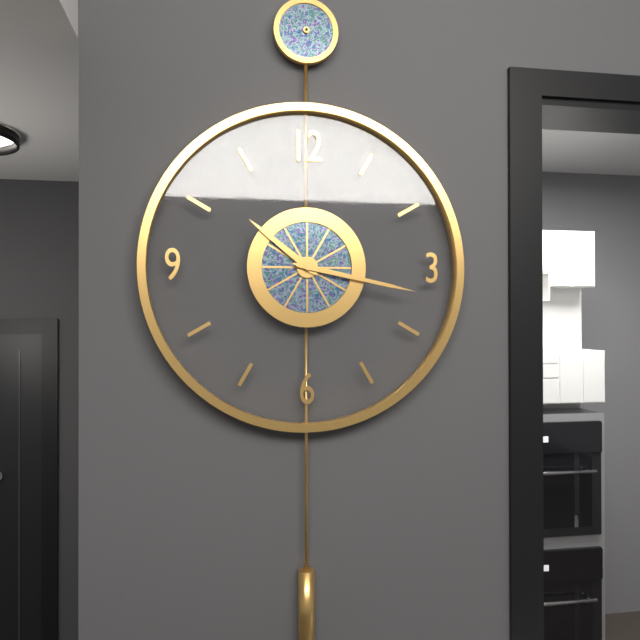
h=10 m=17
